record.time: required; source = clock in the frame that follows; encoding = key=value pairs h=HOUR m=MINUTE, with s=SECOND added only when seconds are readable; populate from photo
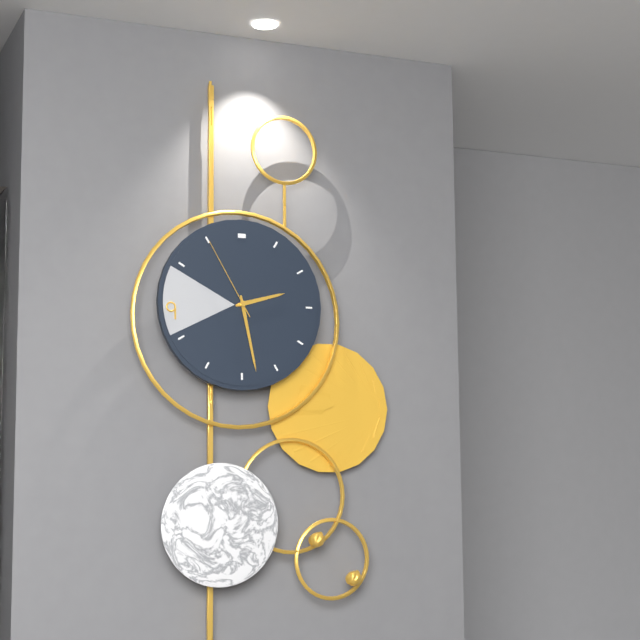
h=2 m=28 s=55
